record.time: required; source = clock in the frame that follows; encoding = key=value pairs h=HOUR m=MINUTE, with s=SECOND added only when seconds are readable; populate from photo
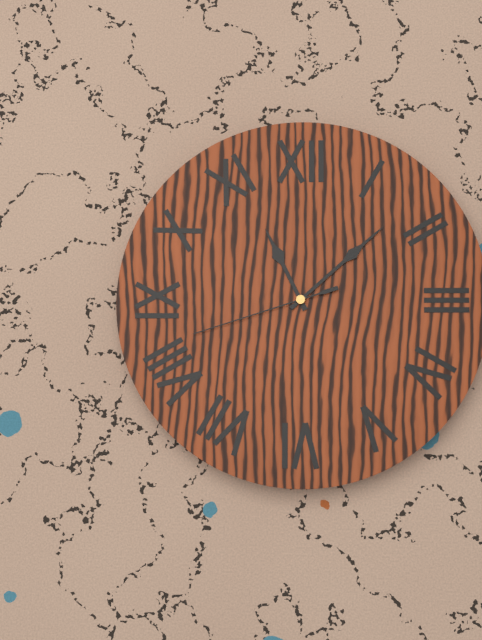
h=11 m=8 s=42
